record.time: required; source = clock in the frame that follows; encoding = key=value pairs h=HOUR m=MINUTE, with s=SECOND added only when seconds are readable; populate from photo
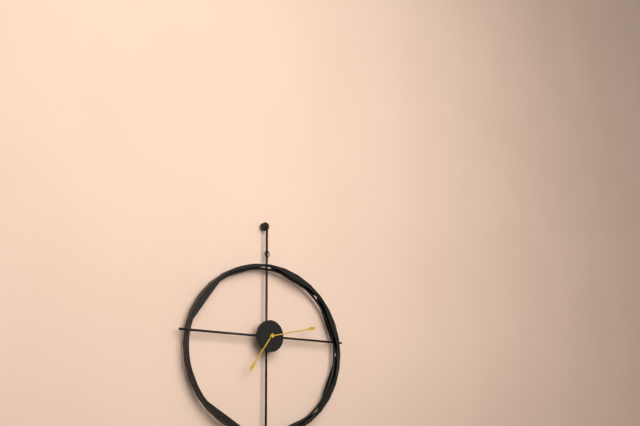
h=7 m=13
